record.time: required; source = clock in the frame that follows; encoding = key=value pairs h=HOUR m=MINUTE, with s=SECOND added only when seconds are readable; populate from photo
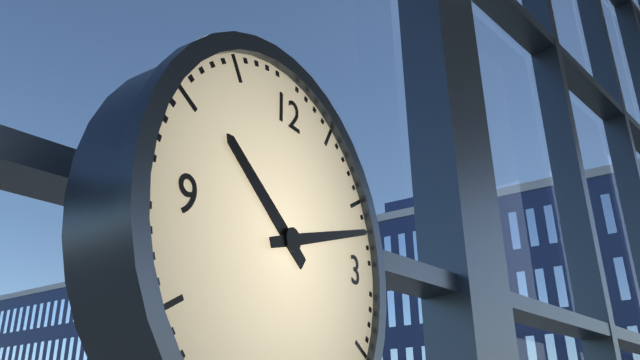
h=10 m=12
